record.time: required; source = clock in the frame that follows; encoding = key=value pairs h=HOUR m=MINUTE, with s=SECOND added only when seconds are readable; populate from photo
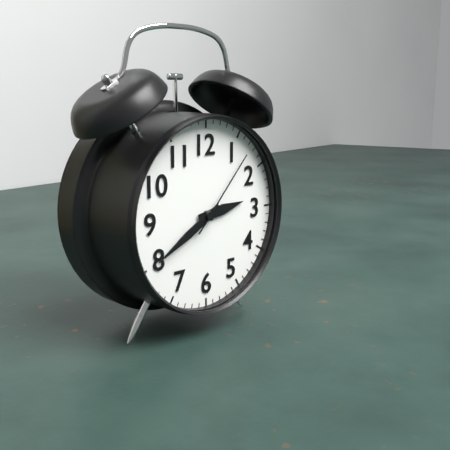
h=2 m=40 s=7
